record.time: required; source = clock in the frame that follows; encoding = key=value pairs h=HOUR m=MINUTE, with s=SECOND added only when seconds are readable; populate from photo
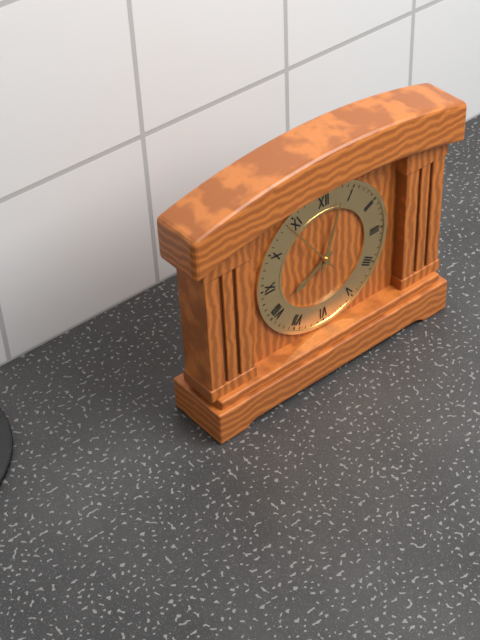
h=8 m=3 s=54
